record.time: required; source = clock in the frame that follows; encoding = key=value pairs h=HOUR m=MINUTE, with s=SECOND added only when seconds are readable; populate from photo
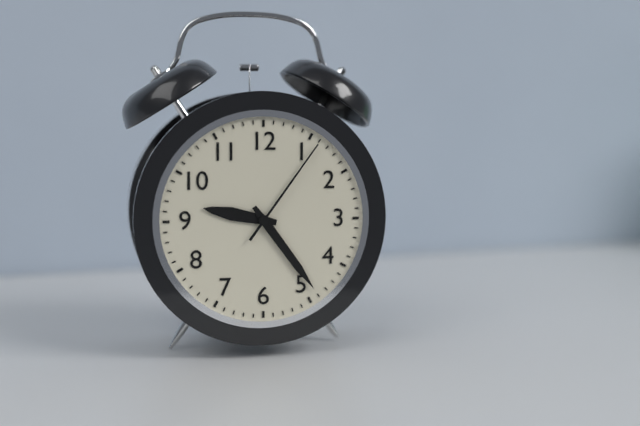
h=9 m=24 s=6
